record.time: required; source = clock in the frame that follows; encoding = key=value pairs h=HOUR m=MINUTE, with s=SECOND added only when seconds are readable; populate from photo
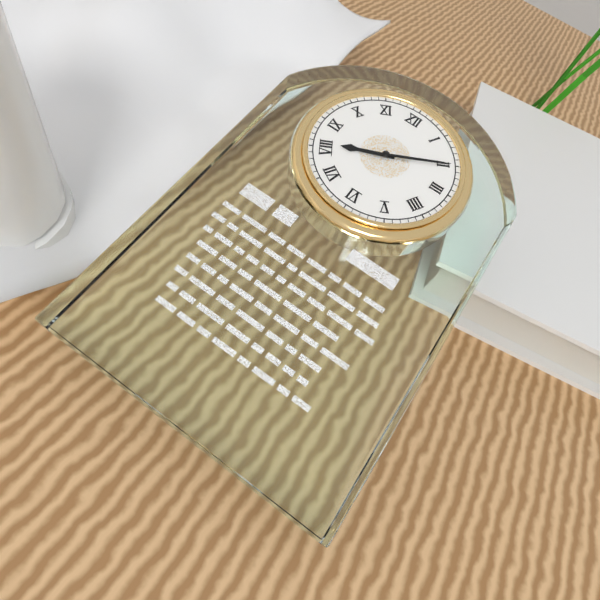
h=8 m=10
